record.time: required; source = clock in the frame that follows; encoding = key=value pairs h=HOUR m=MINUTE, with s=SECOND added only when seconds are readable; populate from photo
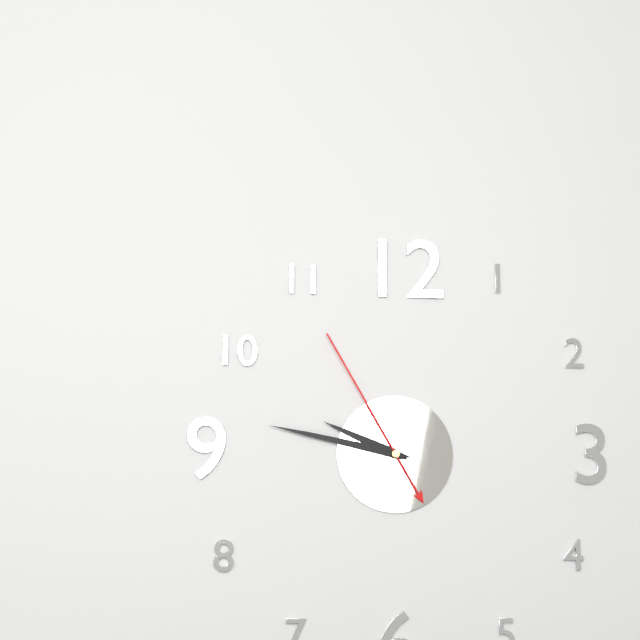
h=9 m=47 s=55
